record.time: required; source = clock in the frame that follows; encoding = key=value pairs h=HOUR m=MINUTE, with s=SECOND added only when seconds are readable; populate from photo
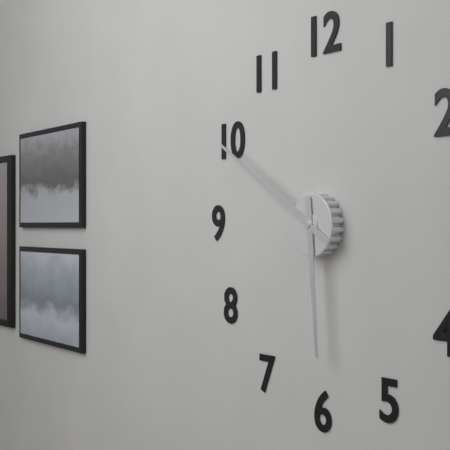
h=5 m=50
